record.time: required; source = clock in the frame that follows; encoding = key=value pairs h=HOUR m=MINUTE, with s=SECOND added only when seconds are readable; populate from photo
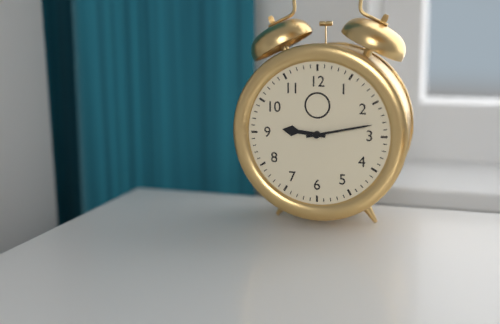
h=9 m=13
